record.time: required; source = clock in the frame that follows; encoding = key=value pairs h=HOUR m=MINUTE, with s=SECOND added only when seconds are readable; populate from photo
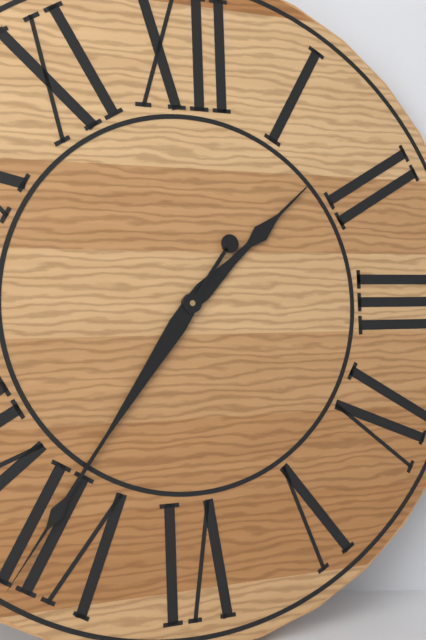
h=1 m=36
